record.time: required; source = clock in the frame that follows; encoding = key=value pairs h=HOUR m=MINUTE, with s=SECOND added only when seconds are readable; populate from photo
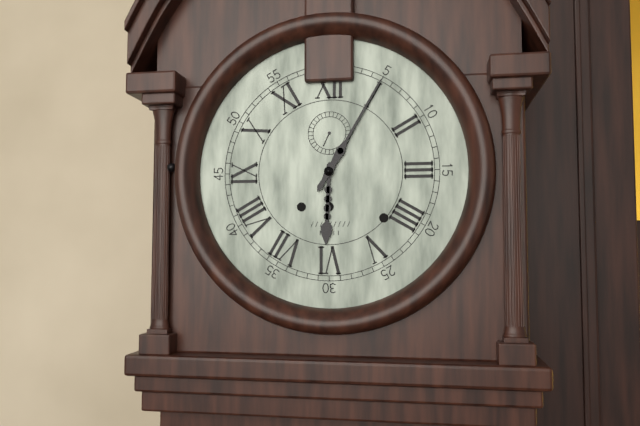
h=6 m=5
